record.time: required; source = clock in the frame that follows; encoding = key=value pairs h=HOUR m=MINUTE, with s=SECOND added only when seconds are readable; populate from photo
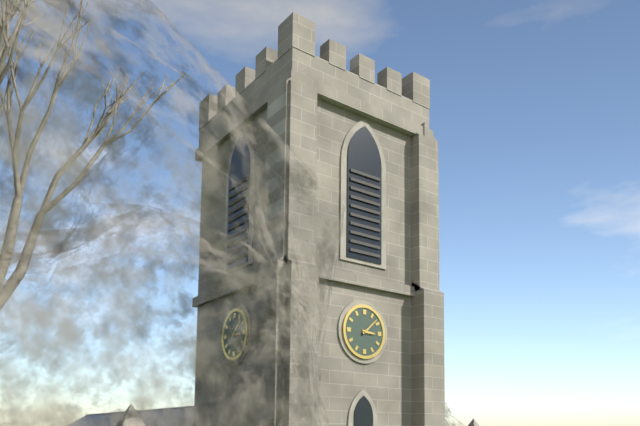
h=3 m=8
